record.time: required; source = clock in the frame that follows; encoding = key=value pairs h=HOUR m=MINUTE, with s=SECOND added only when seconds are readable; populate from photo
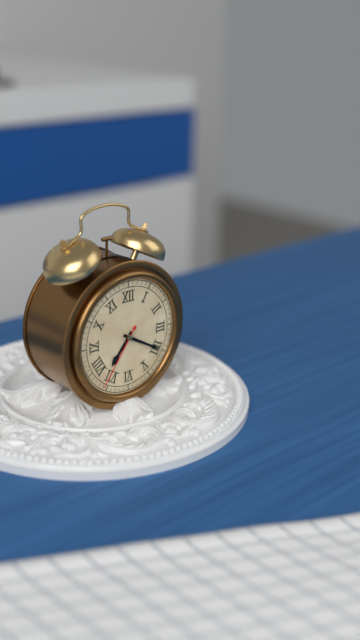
h=7 m=20 s=36
